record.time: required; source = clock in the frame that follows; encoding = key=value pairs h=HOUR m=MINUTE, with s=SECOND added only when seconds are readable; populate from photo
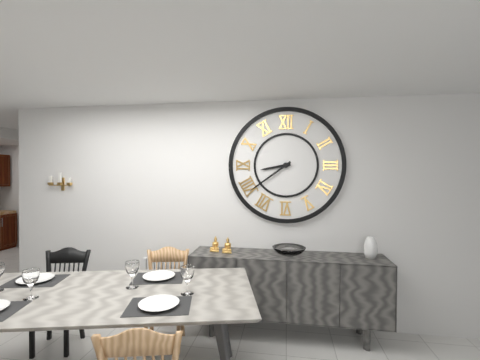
h=8 m=39
